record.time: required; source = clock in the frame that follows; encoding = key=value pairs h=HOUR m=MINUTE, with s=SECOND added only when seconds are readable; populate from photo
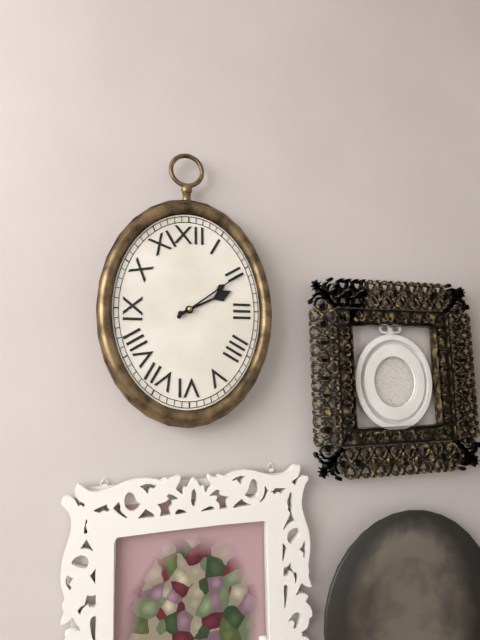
h=2 m=9
